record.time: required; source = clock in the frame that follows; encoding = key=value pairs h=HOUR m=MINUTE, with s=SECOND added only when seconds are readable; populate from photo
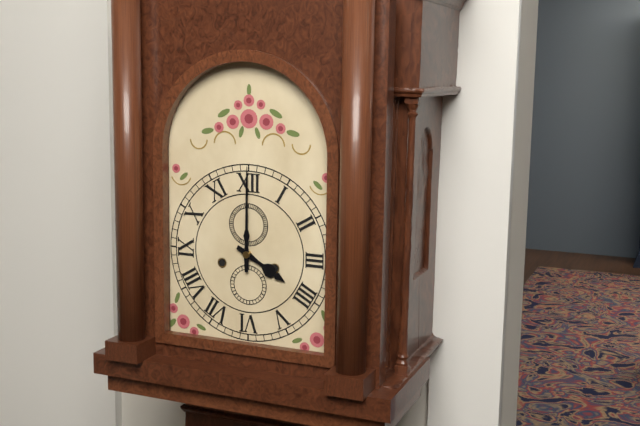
h=4 m=0
